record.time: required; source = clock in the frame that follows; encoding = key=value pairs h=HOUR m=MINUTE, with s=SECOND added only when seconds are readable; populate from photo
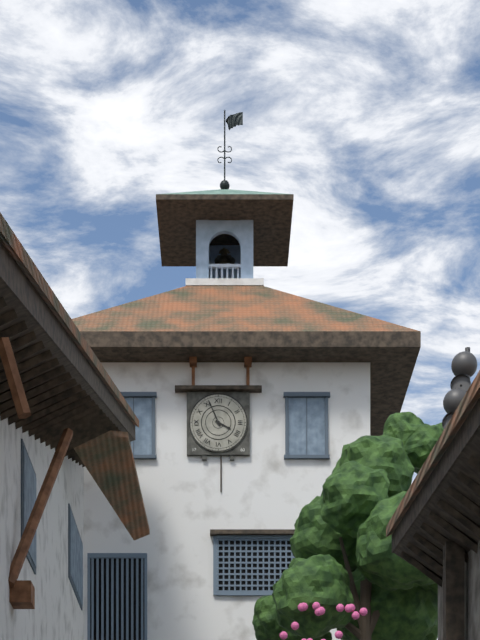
h=3 m=56
